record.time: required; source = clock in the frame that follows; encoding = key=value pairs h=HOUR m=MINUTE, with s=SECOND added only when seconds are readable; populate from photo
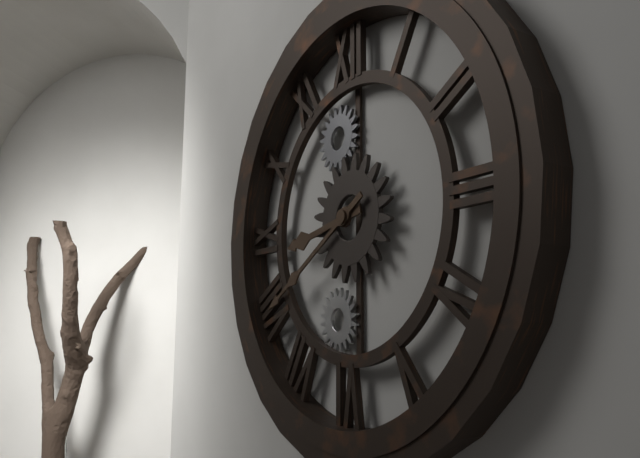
h=8 m=40
